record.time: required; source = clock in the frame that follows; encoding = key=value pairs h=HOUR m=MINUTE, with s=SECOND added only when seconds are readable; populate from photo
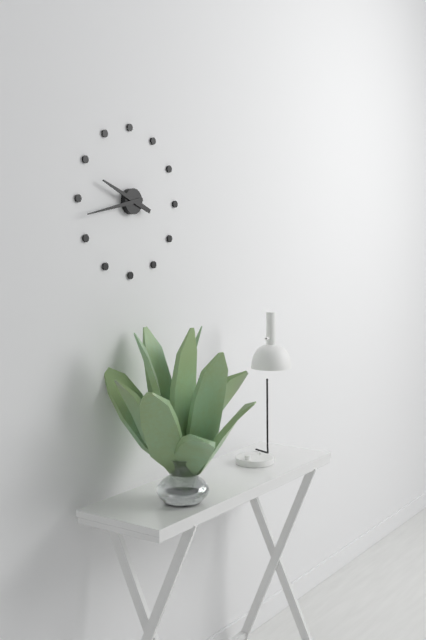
h=9 m=43
